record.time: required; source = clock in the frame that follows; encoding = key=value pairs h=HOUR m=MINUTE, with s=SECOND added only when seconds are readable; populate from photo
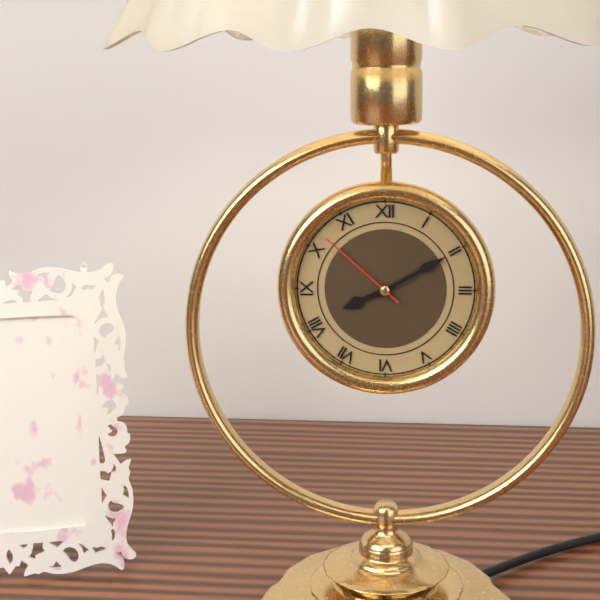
h=8 m=10 s=52
